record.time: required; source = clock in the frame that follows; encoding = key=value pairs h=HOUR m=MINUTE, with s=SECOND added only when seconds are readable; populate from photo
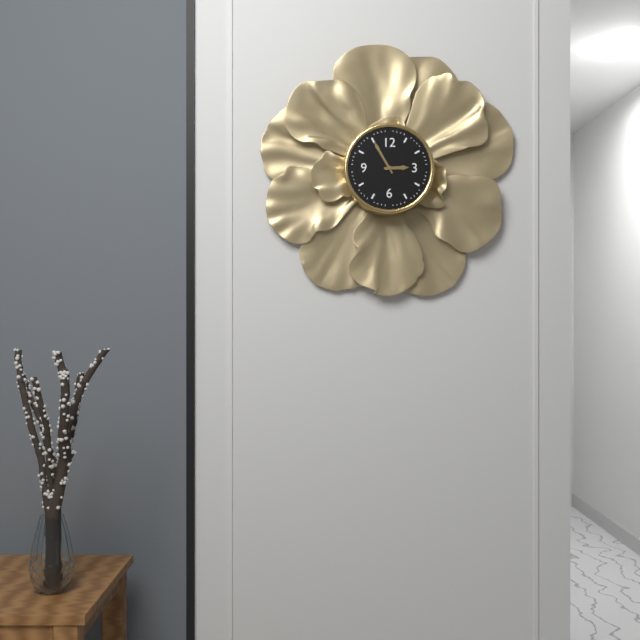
h=2 m=55
